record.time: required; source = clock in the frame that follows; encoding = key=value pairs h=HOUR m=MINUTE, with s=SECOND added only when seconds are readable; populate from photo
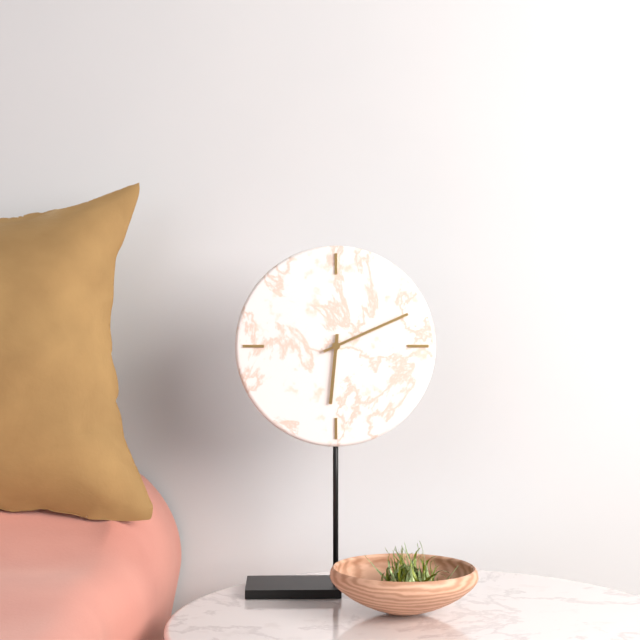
h=6 m=11
